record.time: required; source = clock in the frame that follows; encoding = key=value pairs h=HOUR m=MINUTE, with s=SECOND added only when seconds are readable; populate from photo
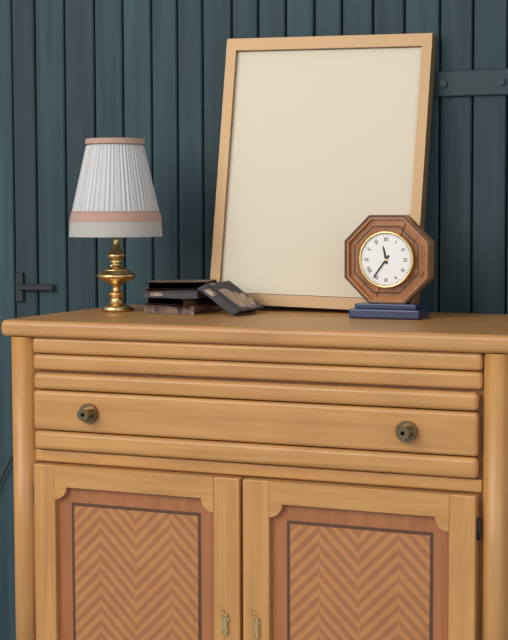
h=11 m=36
